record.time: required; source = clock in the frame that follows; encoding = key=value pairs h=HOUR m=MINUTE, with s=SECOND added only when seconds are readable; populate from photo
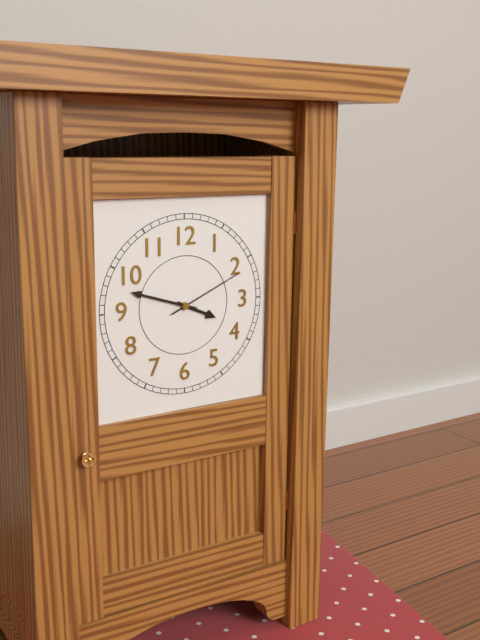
h=3 m=48 s=11
